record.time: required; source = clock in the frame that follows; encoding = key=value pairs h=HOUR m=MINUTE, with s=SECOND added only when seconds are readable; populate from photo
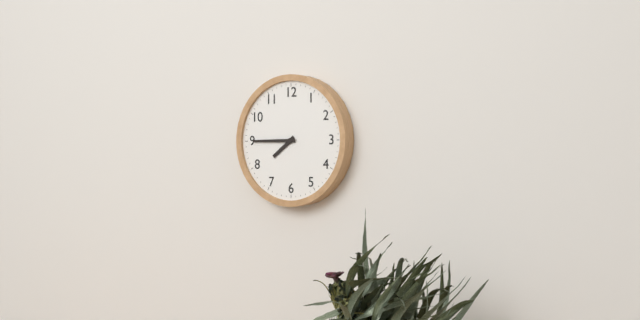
h=7 m=45
